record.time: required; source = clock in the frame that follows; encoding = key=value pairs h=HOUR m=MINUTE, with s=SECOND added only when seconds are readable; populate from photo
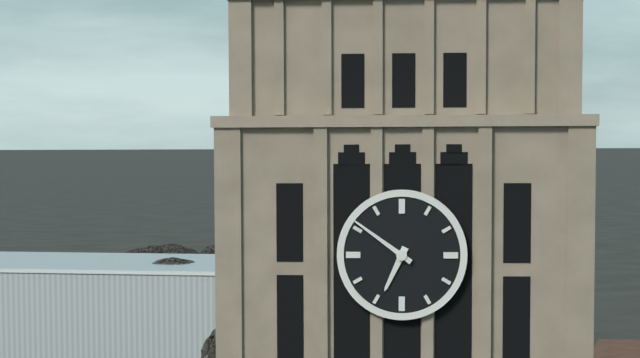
h=6 m=51
